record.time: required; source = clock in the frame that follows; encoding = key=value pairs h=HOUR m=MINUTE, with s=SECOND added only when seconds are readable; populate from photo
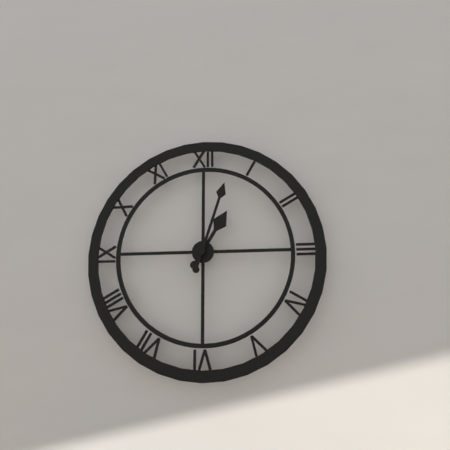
h=1 m=3
